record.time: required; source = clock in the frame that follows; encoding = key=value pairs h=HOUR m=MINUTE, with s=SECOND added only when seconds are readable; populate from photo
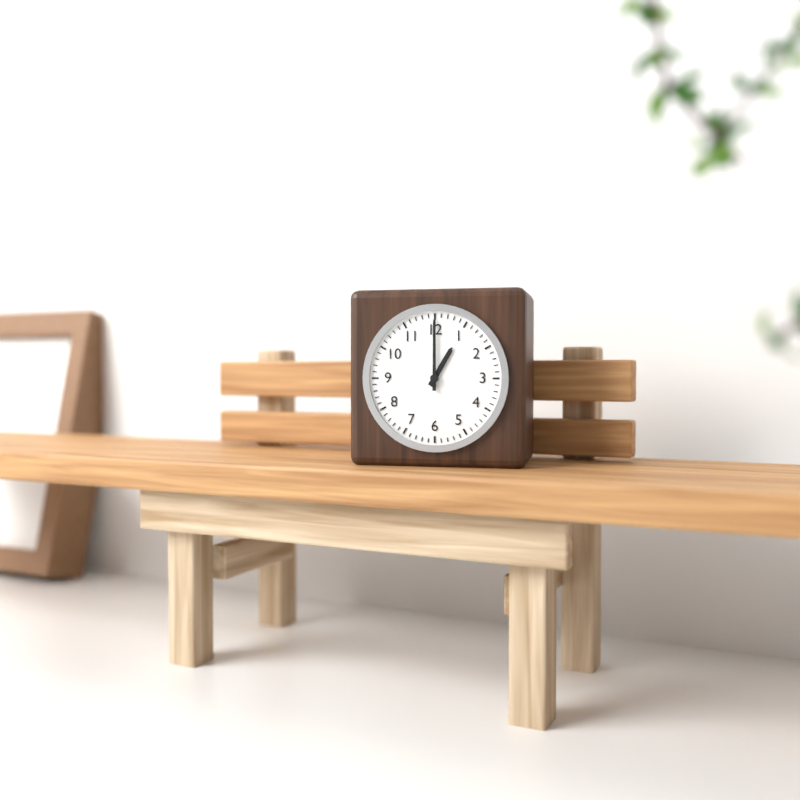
h=1 m=0
